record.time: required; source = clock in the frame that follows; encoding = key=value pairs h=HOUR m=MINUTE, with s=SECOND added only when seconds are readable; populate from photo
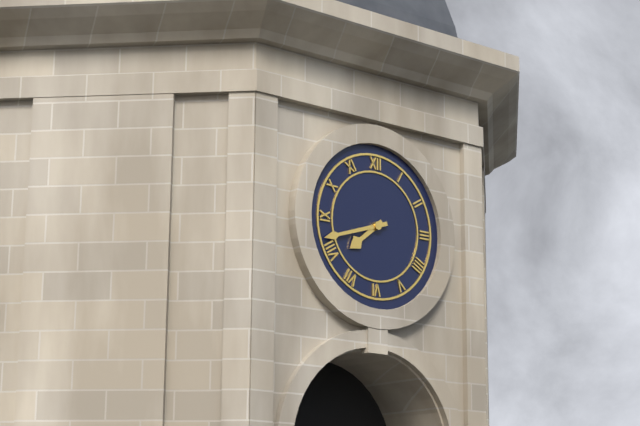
h=7 m=42
